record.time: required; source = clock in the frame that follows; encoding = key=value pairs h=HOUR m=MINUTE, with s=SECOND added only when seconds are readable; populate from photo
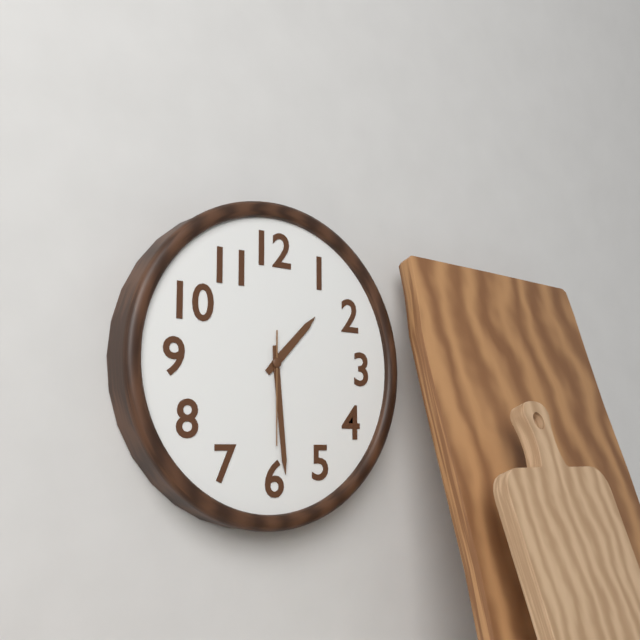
h=1 m=29 s=30
